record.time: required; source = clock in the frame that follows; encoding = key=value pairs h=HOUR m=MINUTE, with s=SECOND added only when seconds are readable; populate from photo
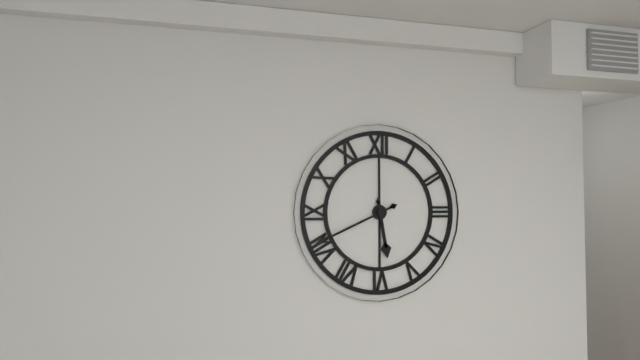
h=5 m=41
